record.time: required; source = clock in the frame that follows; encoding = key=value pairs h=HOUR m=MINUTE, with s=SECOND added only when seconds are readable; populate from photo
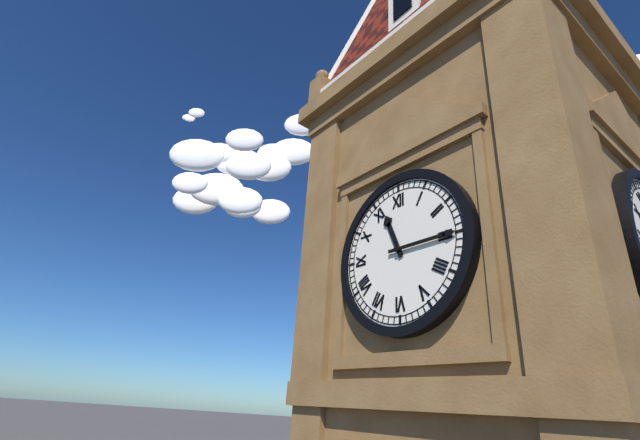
h=11 m=15
